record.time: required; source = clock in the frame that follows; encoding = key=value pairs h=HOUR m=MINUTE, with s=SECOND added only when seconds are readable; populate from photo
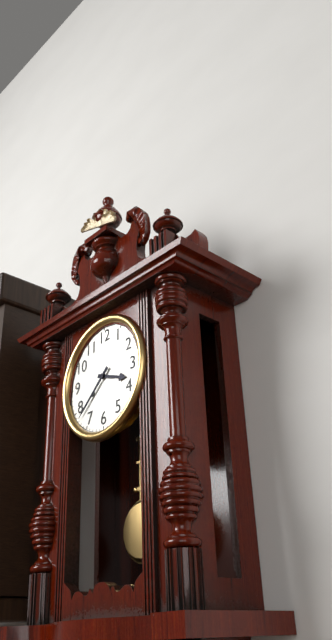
h=3 m=38
